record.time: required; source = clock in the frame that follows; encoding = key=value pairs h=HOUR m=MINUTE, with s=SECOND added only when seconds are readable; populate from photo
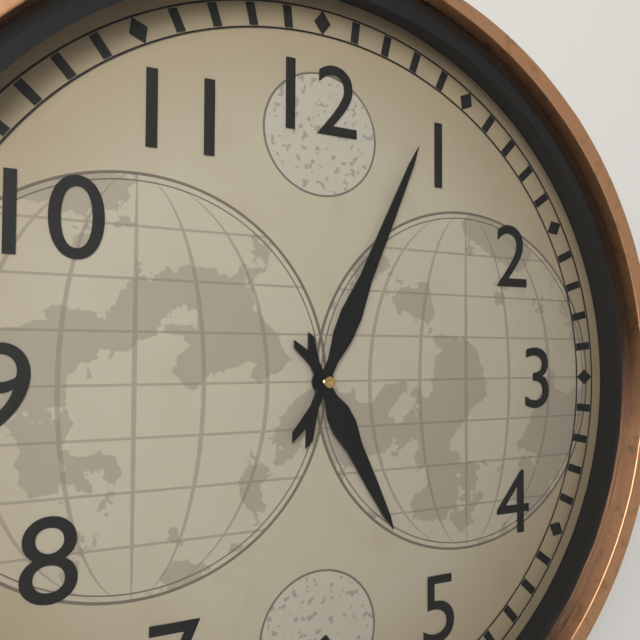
h=5 m=4
